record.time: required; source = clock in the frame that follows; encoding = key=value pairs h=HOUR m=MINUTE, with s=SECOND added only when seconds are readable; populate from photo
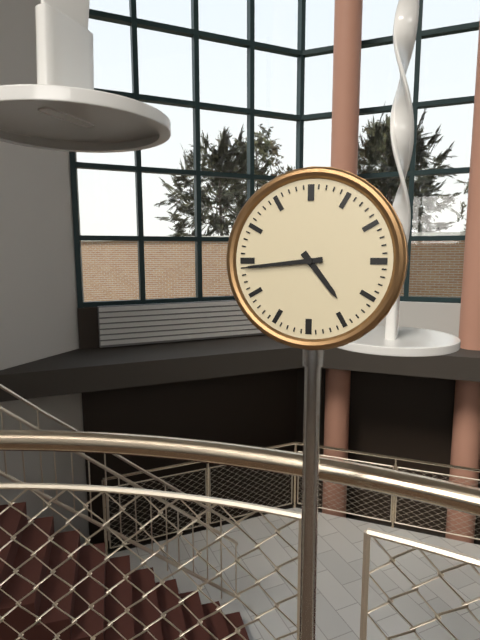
h=4 m=44
